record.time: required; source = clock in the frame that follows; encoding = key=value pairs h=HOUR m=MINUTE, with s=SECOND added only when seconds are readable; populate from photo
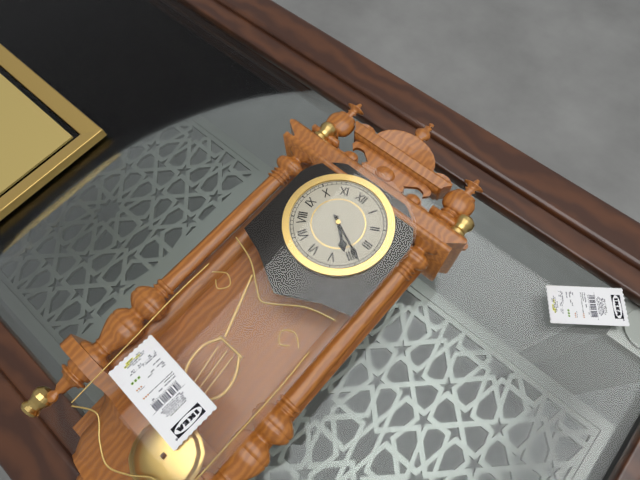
h=4 m=19
